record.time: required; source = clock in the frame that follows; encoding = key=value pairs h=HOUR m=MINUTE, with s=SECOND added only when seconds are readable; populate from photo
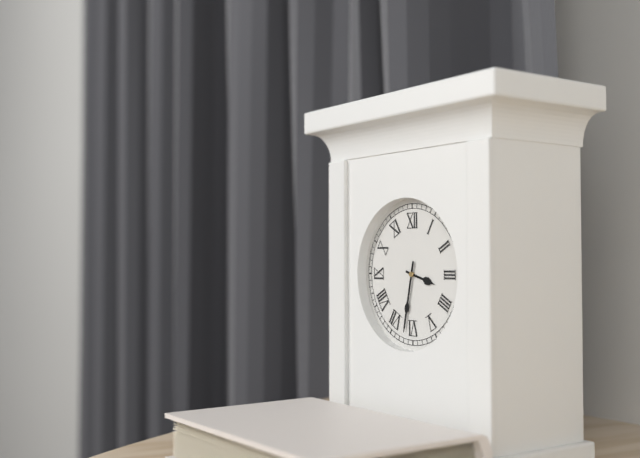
h=3 m=32
